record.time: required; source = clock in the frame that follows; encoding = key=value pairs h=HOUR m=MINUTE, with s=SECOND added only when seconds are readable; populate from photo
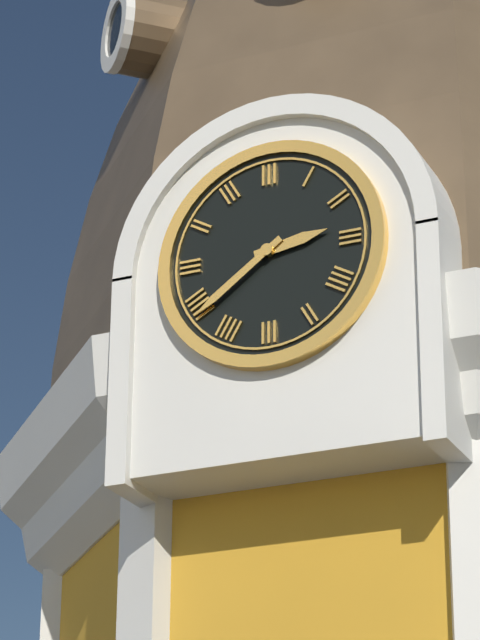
h=2 m=39
